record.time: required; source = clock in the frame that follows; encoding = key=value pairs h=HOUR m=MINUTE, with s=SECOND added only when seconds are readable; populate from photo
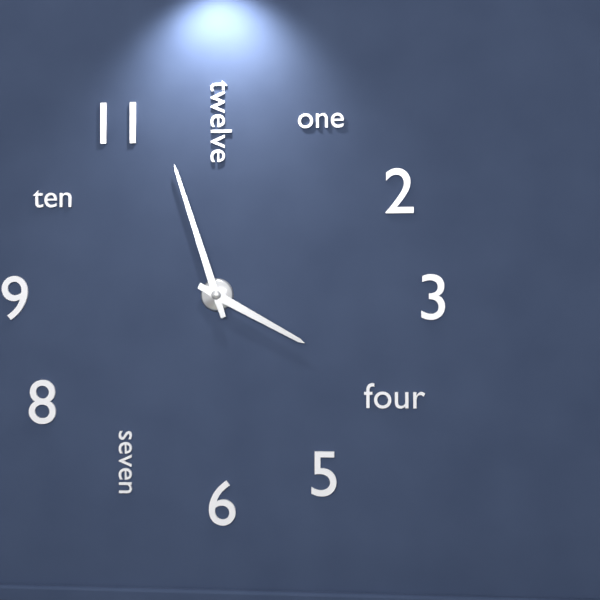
h=3 m=57
